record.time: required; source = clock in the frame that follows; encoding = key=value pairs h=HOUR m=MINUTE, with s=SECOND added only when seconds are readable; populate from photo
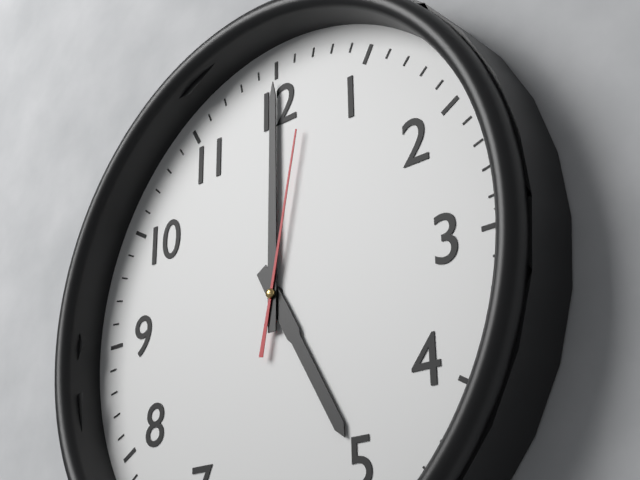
h=5 m=0 s=2
